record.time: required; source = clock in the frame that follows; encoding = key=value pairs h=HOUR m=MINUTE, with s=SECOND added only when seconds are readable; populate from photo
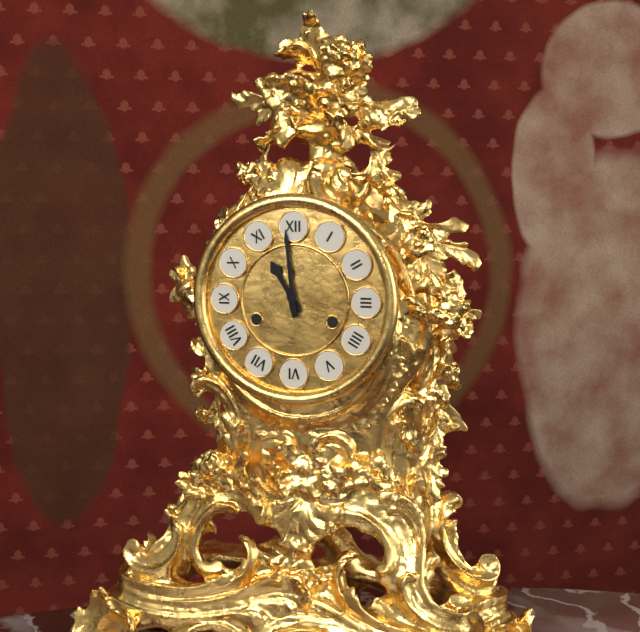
h=10 m=59
